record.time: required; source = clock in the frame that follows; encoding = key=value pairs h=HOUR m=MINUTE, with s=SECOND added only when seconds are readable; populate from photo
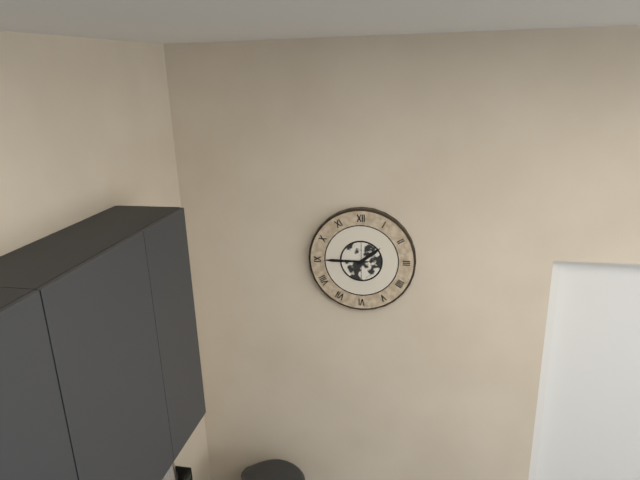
h=1 m=45
